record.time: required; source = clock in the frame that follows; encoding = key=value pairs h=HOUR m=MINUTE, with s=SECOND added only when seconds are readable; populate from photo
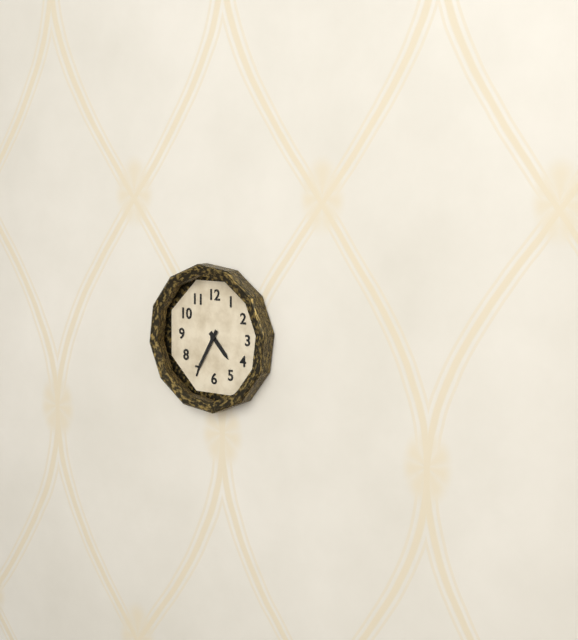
h=4 m=35
